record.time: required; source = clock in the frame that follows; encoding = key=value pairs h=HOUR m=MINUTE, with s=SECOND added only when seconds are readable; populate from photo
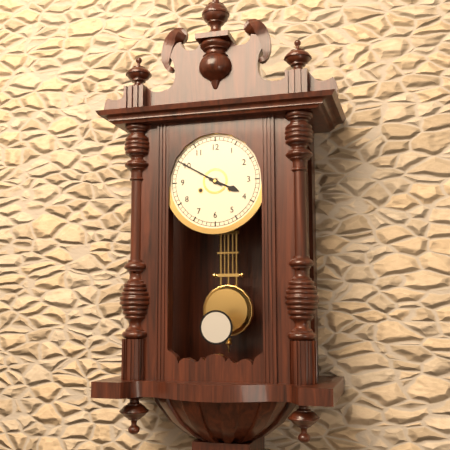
h=3 m=50
